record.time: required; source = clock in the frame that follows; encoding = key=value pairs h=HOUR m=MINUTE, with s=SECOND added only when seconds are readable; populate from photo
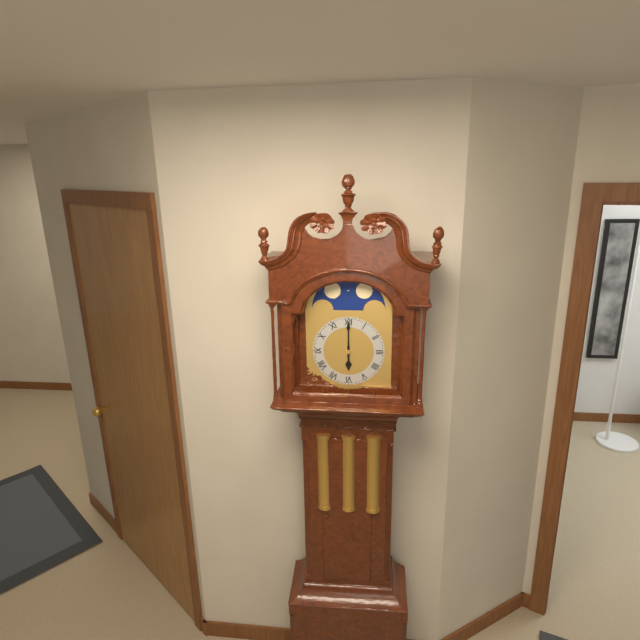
h=6 m=0
